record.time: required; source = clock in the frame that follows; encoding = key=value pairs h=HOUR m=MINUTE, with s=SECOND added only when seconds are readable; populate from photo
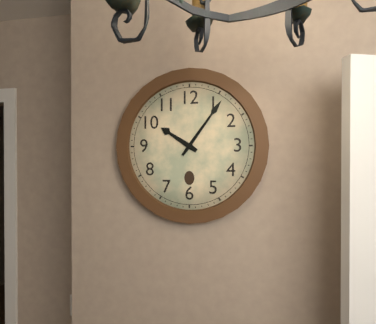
h=10 m=6
